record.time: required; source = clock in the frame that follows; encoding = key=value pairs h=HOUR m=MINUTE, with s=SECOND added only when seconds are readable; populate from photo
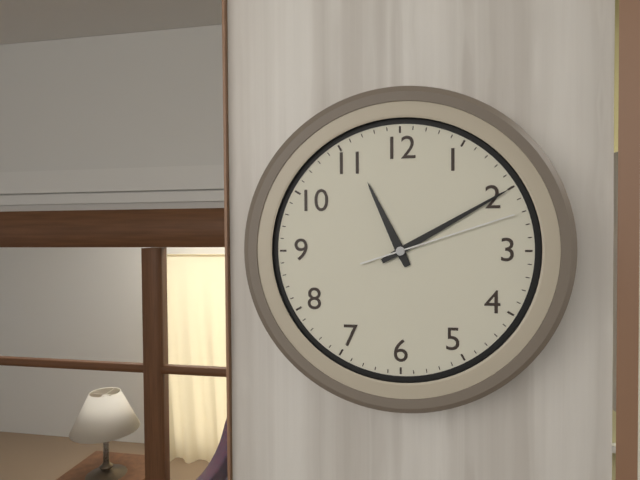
h=11 m=10 s=12
